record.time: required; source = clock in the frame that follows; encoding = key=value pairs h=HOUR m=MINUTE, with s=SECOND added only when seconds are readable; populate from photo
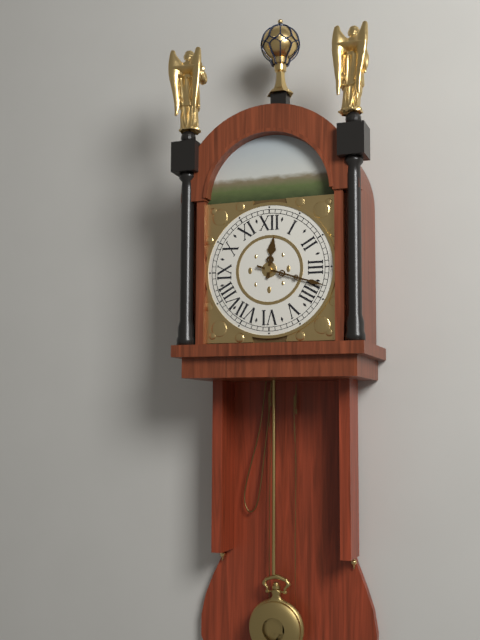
h=12 m=18
